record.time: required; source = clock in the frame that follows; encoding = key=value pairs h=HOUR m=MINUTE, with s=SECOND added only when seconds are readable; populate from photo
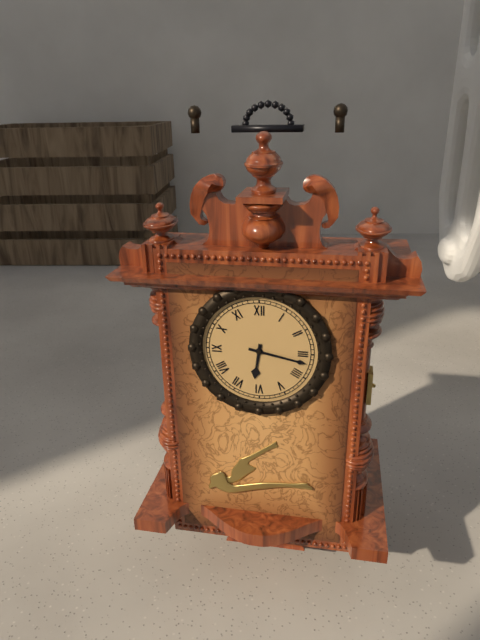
h=6 m=17
